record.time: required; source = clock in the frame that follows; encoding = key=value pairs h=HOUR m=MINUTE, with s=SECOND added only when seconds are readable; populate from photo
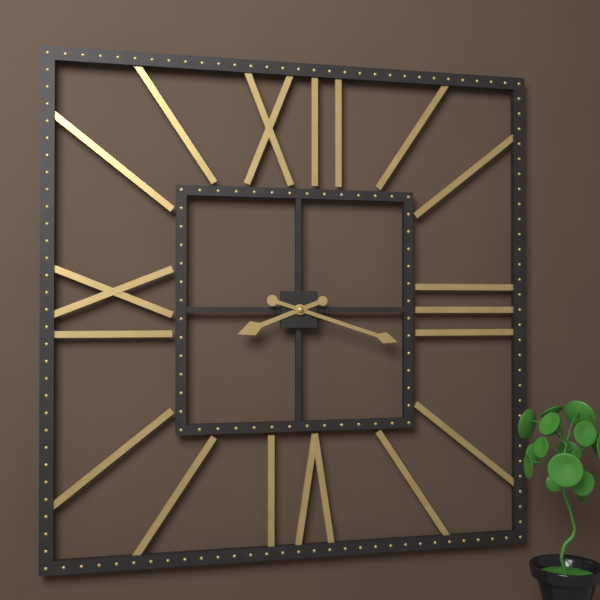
h=8 m=18
